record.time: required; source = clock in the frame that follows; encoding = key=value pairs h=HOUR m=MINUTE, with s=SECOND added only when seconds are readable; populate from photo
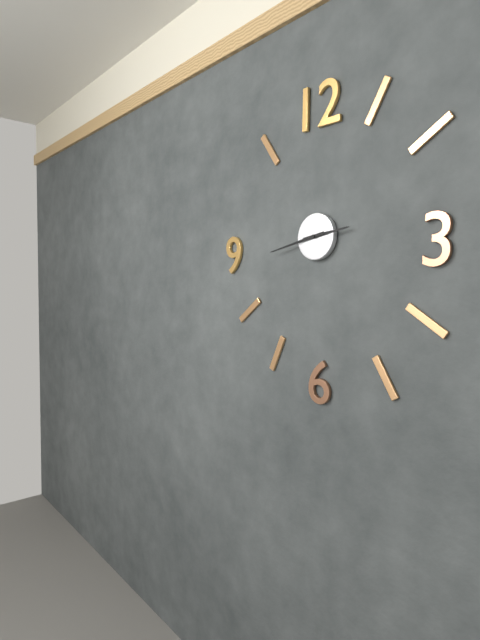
h=2 m=43
